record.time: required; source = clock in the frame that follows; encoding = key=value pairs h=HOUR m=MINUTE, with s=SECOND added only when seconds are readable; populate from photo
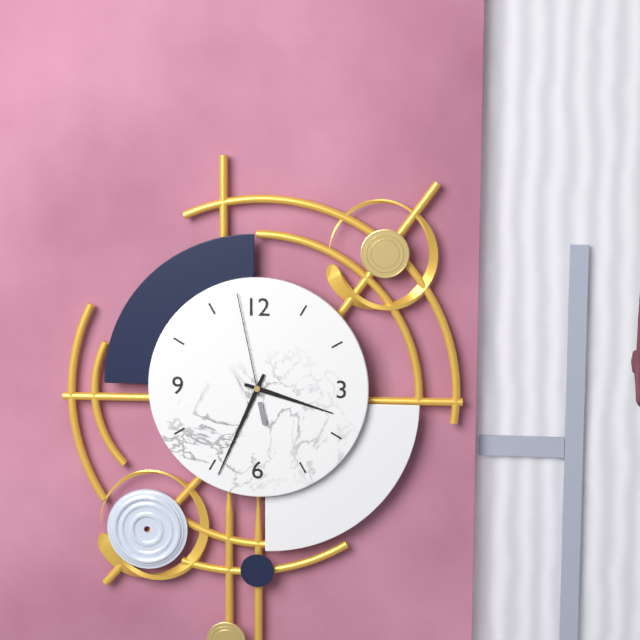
h=3 m=34 s=58
